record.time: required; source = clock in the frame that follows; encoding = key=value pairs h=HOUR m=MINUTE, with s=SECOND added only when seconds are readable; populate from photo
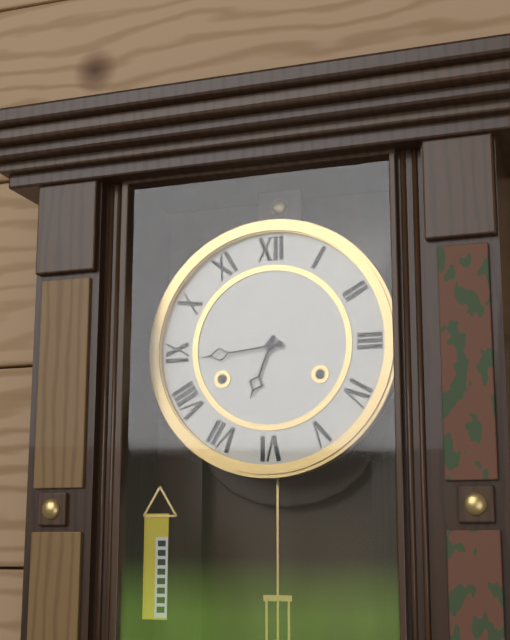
h=6 m=44
